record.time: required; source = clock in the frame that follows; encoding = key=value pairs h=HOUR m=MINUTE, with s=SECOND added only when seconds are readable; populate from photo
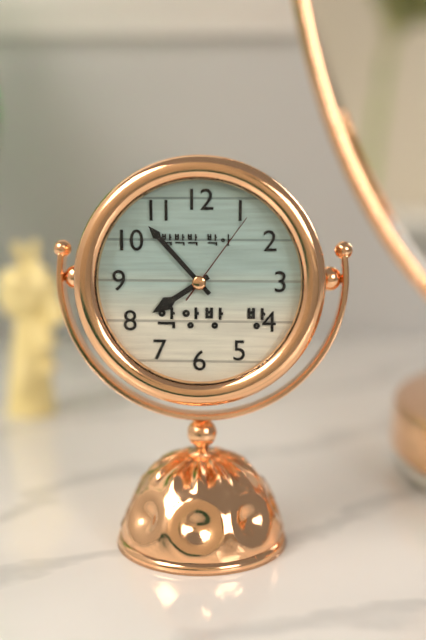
h=7 m=53 s=6
